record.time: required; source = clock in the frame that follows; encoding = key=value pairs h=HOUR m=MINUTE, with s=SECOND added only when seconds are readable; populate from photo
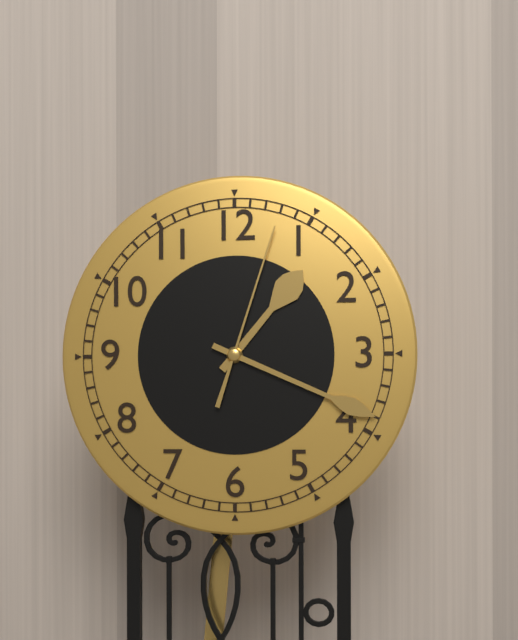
h=1 m=19 s=3
